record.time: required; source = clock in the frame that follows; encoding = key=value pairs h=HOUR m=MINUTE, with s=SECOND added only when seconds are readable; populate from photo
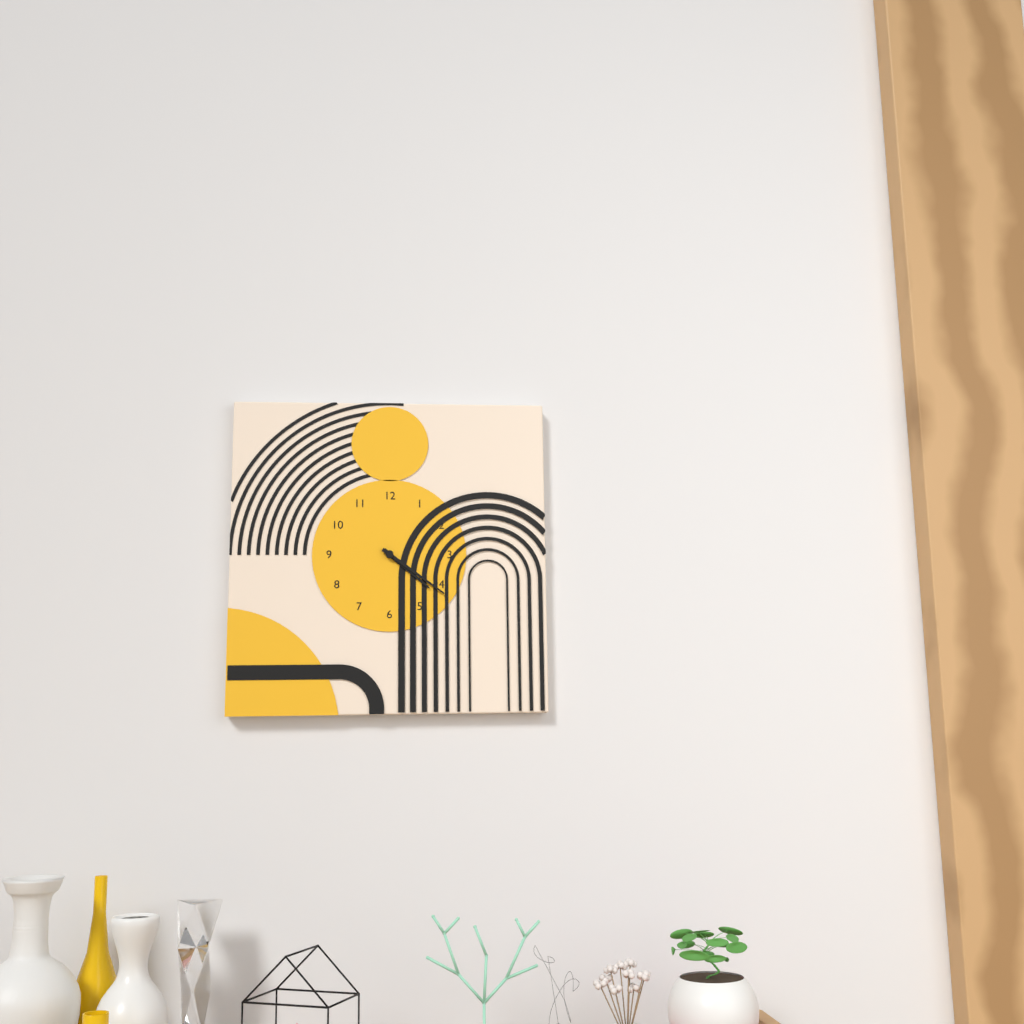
h=4 m=21
